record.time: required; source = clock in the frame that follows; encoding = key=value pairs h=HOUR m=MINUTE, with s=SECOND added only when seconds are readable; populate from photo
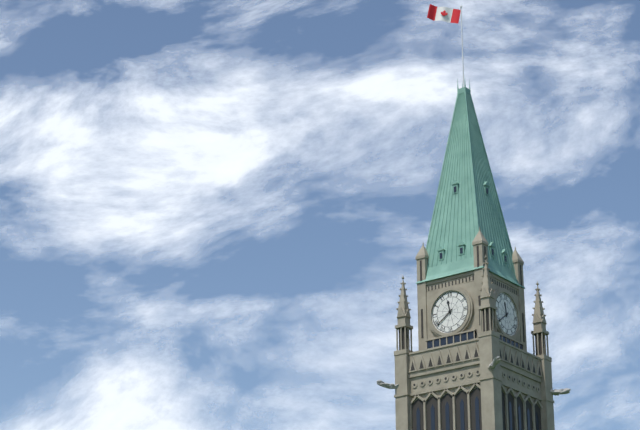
h=11 m=39
